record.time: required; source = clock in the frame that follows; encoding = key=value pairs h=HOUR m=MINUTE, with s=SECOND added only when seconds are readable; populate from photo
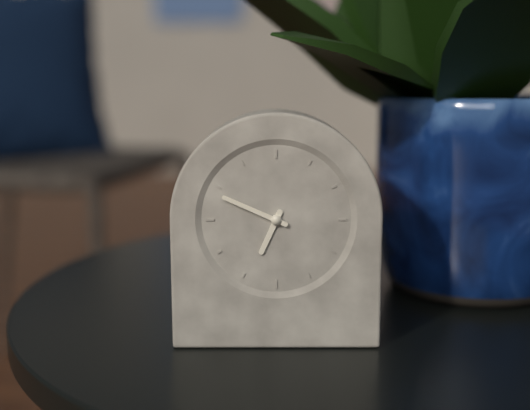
h=6 m=49
